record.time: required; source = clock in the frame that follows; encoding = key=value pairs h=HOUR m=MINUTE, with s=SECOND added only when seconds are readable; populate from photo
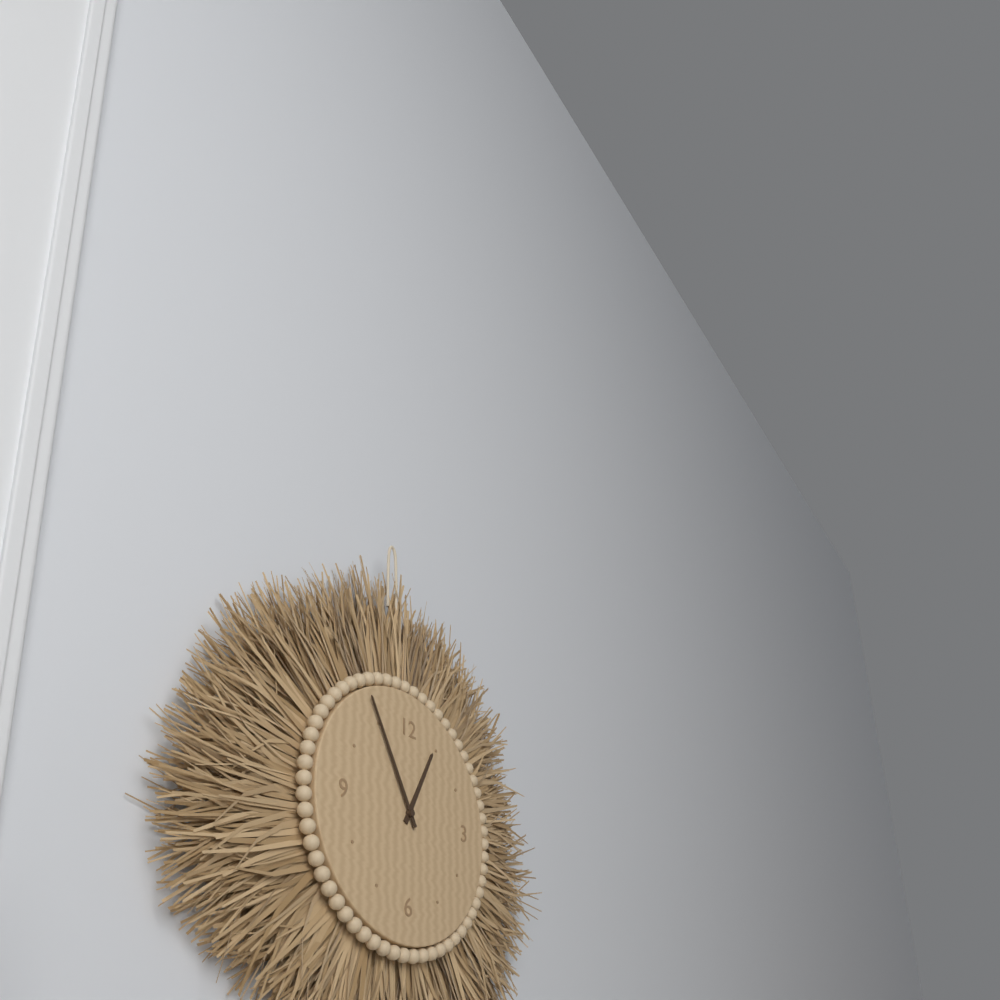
h=12 m=55
